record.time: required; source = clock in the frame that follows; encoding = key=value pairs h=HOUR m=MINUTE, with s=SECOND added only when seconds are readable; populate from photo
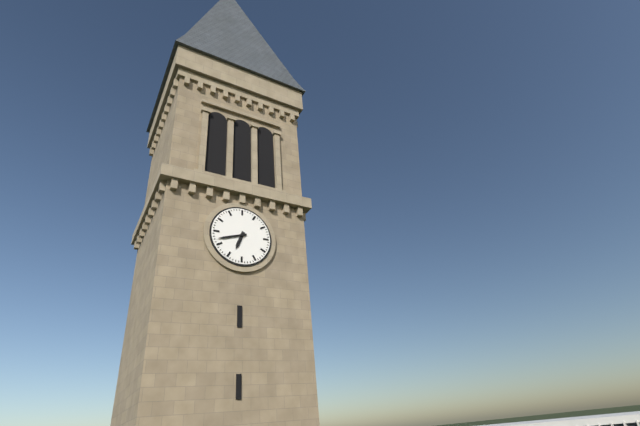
h=6 m=42
